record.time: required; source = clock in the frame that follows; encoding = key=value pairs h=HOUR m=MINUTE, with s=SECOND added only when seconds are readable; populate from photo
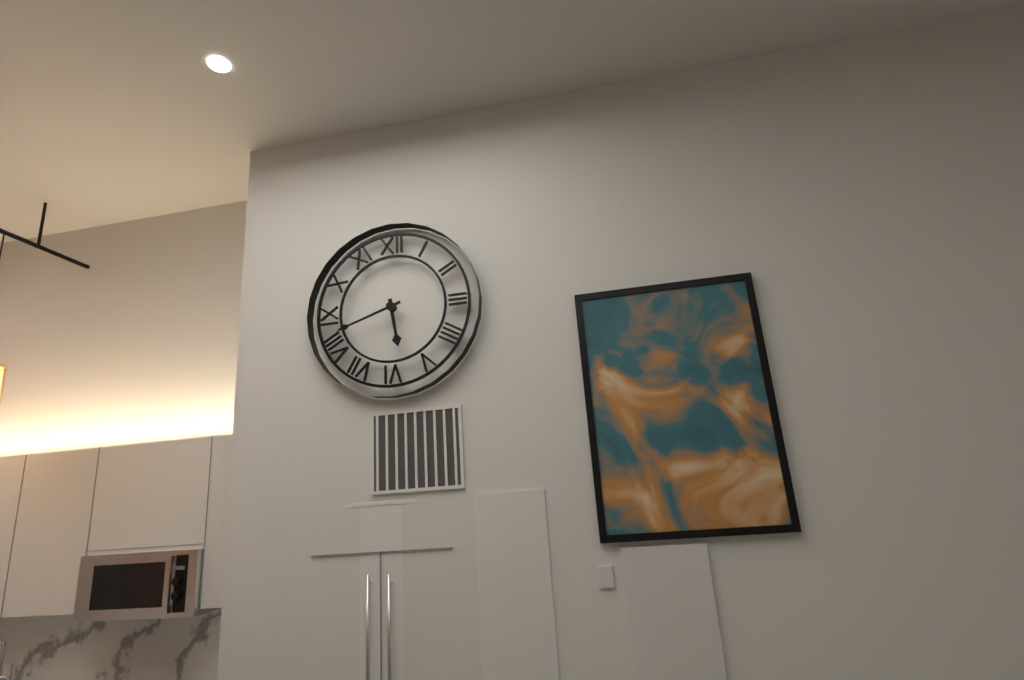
h=5 m=42
